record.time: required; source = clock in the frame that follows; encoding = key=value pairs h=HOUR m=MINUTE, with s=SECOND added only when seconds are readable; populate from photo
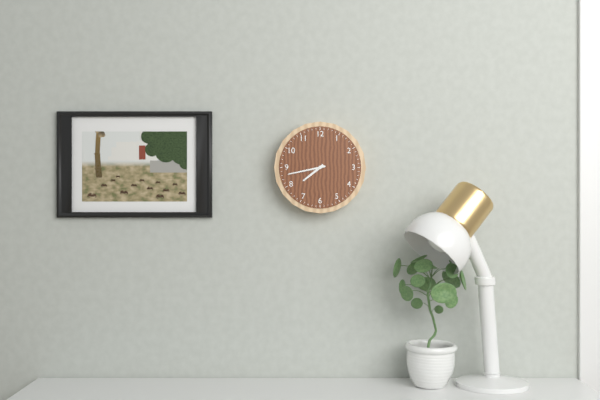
h=7 m=43
